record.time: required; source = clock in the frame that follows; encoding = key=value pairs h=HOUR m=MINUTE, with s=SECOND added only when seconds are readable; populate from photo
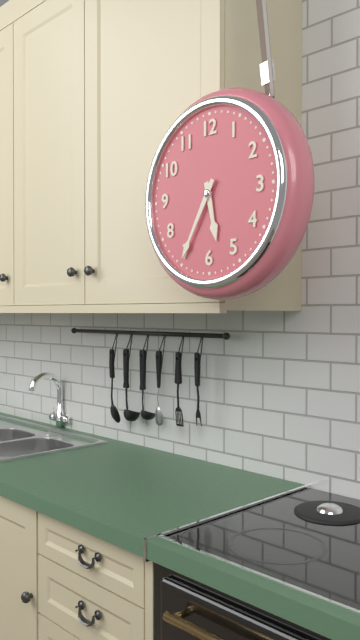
h=5 m=35
